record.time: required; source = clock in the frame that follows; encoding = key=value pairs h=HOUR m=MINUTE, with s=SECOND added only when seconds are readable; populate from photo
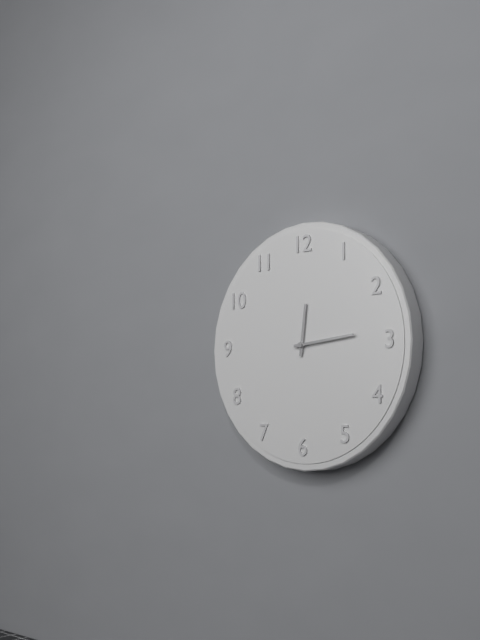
h=12 m=14
